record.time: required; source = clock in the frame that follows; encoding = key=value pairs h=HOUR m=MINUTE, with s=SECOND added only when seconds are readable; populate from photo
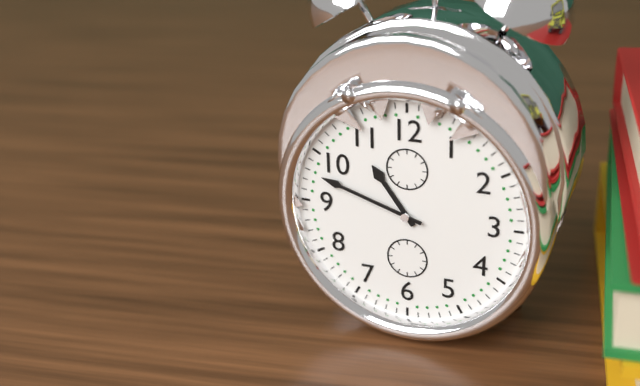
h=10 m=48
